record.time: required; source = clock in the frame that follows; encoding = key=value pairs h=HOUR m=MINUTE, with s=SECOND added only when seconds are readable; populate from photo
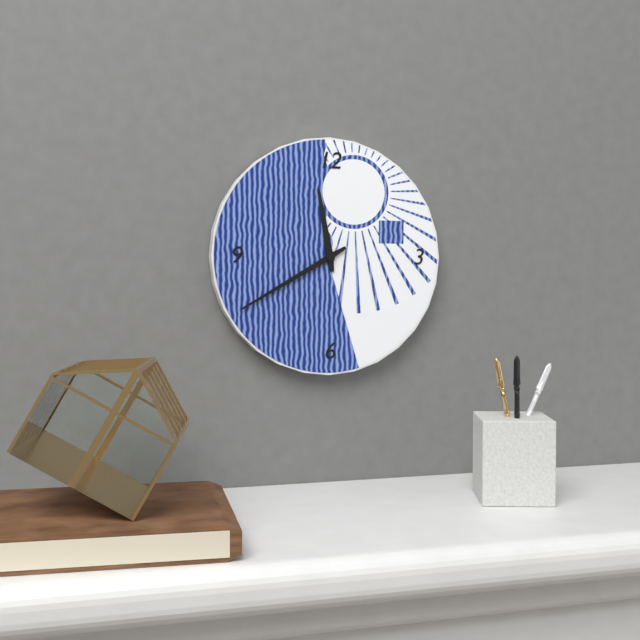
h=11 m=40
